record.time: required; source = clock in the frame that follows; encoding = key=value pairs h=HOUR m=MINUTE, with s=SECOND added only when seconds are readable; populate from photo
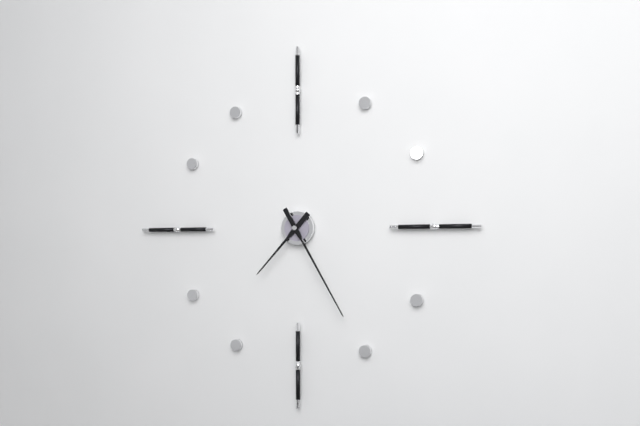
h=7 m=25
